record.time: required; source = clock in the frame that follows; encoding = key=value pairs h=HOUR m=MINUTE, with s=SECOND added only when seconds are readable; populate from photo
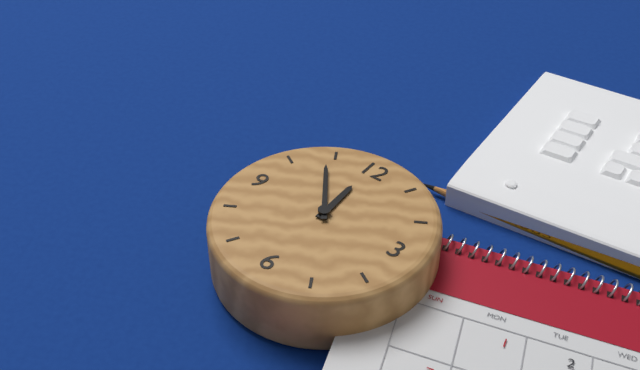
h=11 m=54
